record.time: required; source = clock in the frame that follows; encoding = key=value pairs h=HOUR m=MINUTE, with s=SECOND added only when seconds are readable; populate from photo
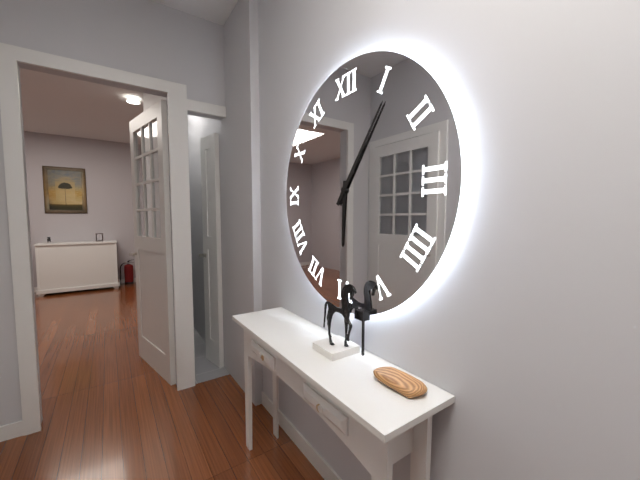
h=6 m=6
